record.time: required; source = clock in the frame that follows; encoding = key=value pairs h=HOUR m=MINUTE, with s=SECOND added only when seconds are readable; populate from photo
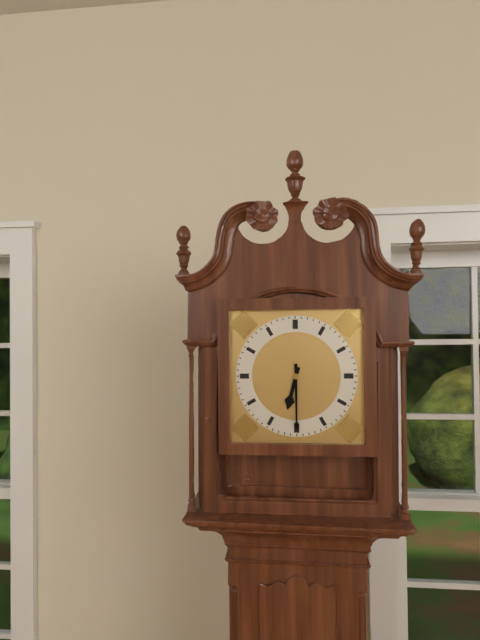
h=6 m=30
